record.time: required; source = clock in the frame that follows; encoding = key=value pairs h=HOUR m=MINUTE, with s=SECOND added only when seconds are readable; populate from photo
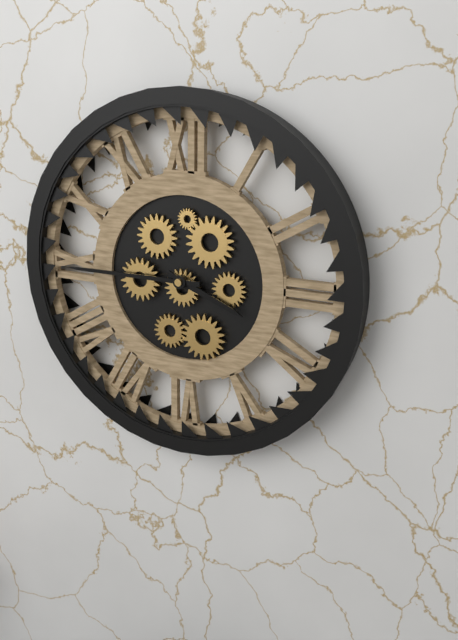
h=3 m=45
